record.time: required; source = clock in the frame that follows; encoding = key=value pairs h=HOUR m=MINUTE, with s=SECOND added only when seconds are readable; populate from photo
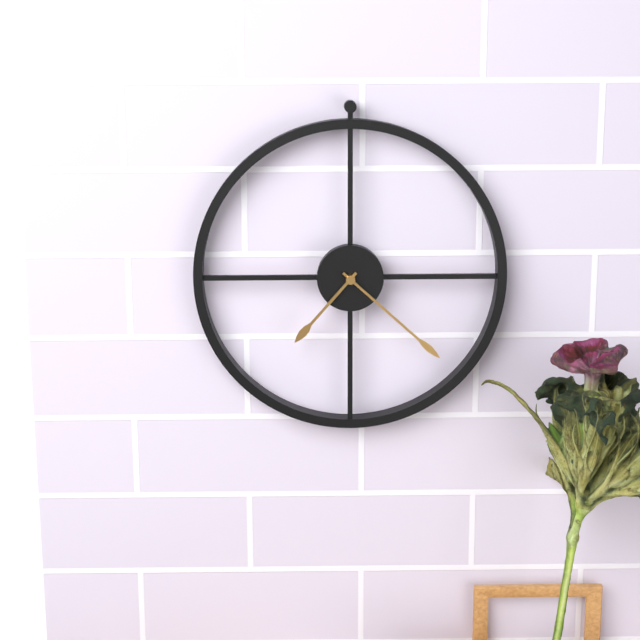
h=7 m=22
